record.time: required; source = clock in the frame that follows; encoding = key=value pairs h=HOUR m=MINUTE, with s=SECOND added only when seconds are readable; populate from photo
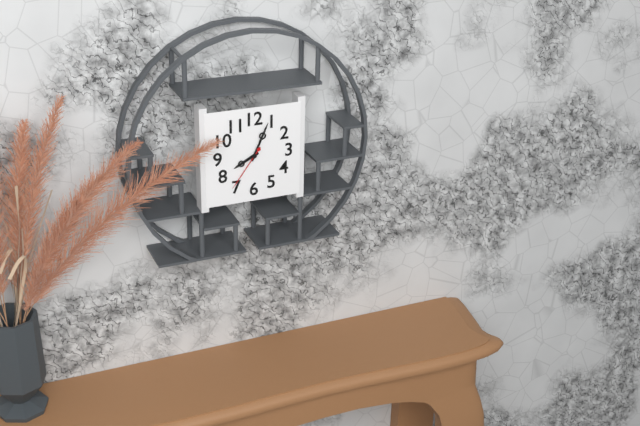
h=8 m=4
